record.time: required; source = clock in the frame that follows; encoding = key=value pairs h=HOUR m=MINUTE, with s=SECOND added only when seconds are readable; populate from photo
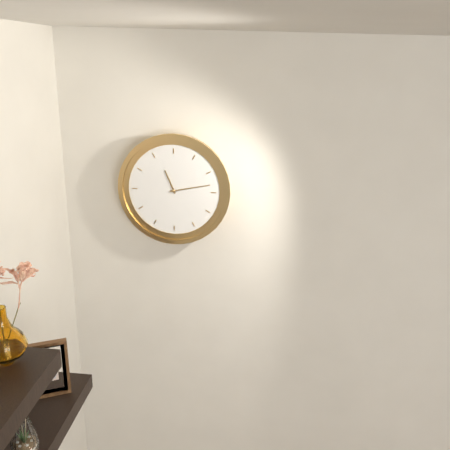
h=11 m=13
